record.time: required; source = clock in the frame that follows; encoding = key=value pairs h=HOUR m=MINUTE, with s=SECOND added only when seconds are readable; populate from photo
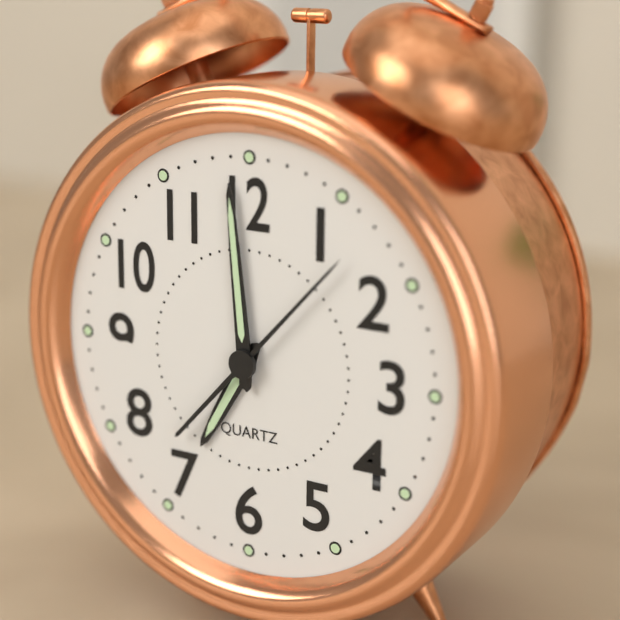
h=6 m=59 s=7
